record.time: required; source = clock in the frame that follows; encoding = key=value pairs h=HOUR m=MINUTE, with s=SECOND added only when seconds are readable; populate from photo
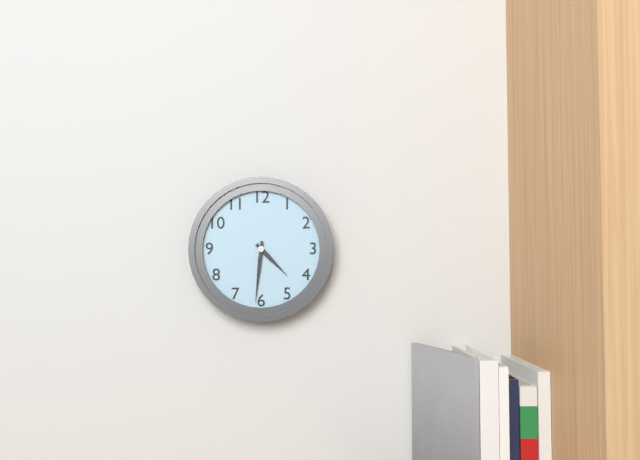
h=4 m=31
